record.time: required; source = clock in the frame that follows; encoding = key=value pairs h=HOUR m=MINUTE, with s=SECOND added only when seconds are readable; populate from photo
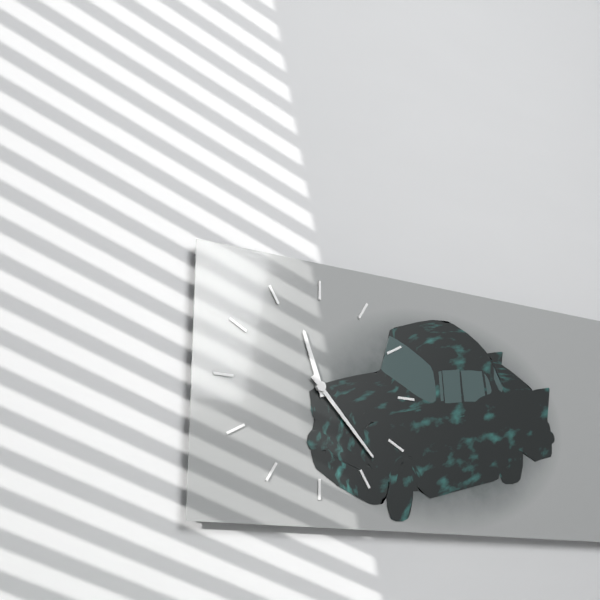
h=11 m=23
